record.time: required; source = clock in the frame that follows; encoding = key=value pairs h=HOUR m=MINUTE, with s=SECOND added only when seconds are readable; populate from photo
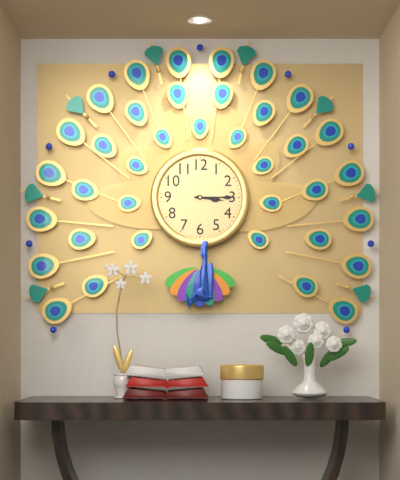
h=3 m=15
